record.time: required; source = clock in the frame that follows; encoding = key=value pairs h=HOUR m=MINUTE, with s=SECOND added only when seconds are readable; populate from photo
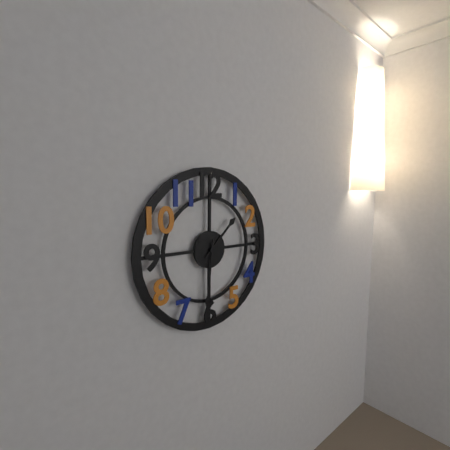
h=1 m=31
